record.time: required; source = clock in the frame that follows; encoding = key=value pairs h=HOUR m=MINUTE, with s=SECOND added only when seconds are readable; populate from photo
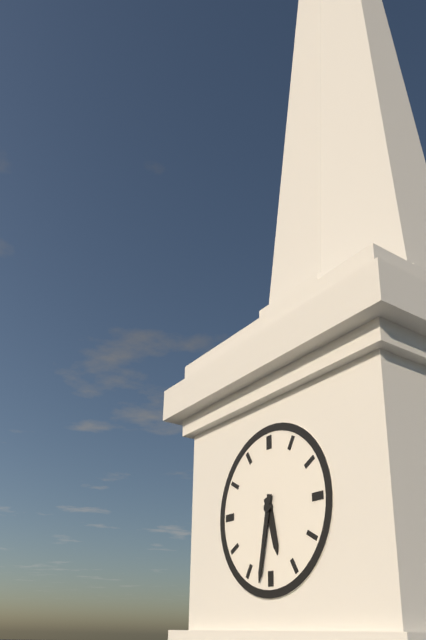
h=5 m=32
